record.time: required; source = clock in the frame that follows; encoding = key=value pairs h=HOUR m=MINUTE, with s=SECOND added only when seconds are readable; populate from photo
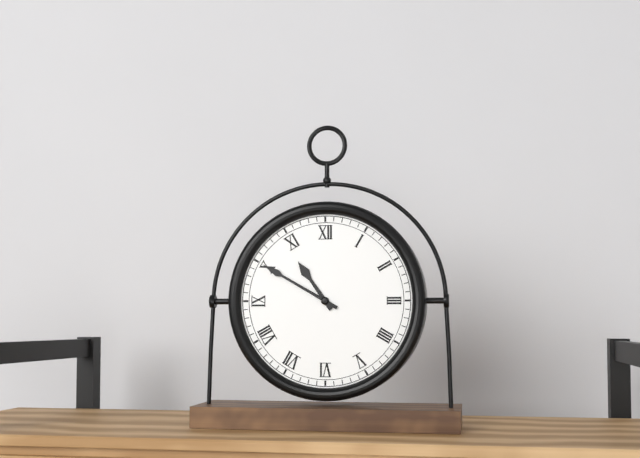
h=10 m=50
